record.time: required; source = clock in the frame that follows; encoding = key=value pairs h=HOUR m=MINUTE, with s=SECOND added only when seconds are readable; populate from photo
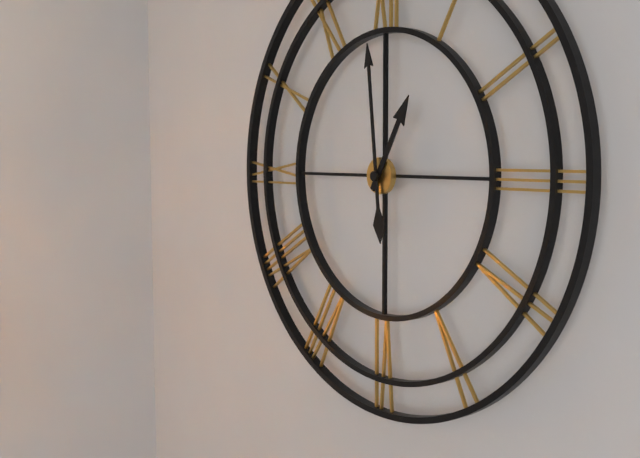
h=12 m=59
